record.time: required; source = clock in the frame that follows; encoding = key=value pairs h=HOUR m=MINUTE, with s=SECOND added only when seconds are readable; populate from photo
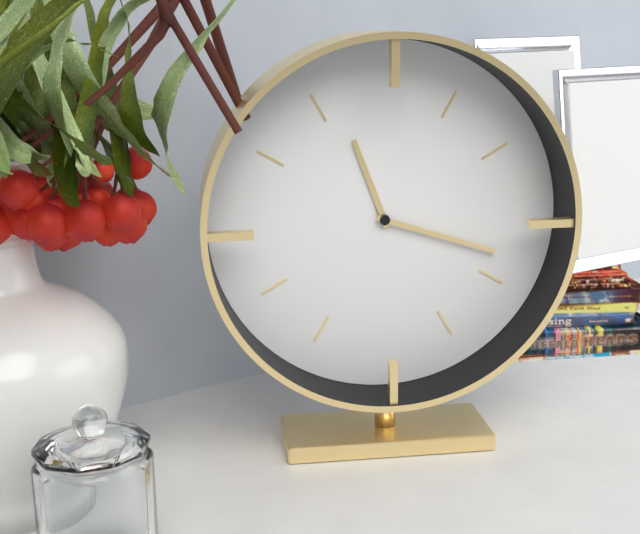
h=11 m=18
